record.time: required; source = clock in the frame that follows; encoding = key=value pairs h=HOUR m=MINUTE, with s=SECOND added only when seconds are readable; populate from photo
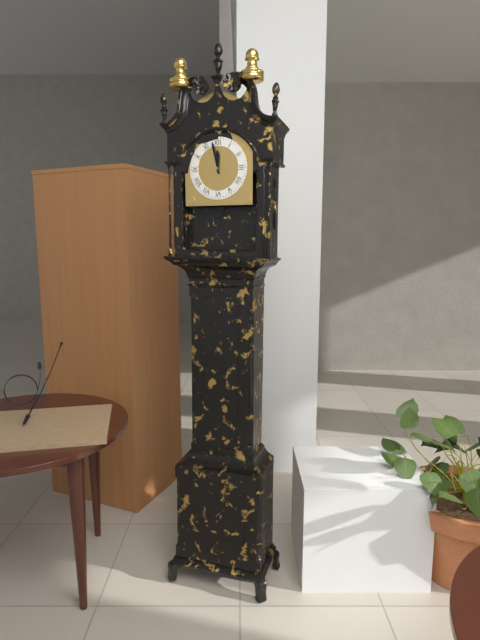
h=11 m=58
